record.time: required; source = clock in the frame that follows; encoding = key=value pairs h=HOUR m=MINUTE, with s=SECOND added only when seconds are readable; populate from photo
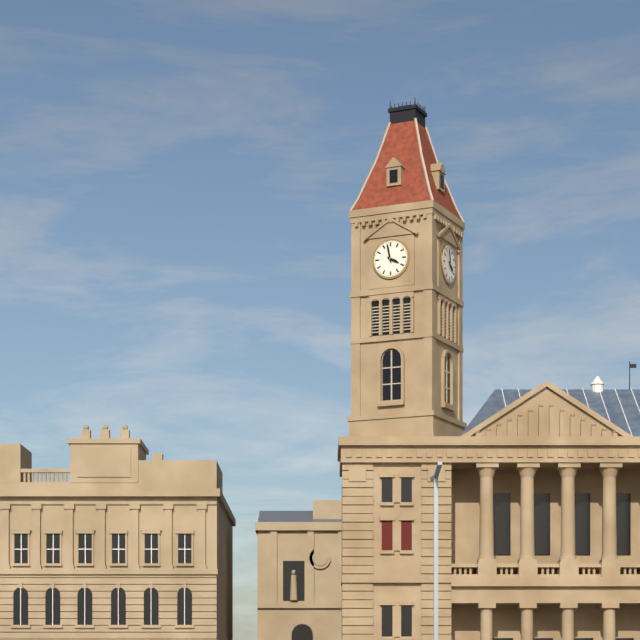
h=3 m=58
